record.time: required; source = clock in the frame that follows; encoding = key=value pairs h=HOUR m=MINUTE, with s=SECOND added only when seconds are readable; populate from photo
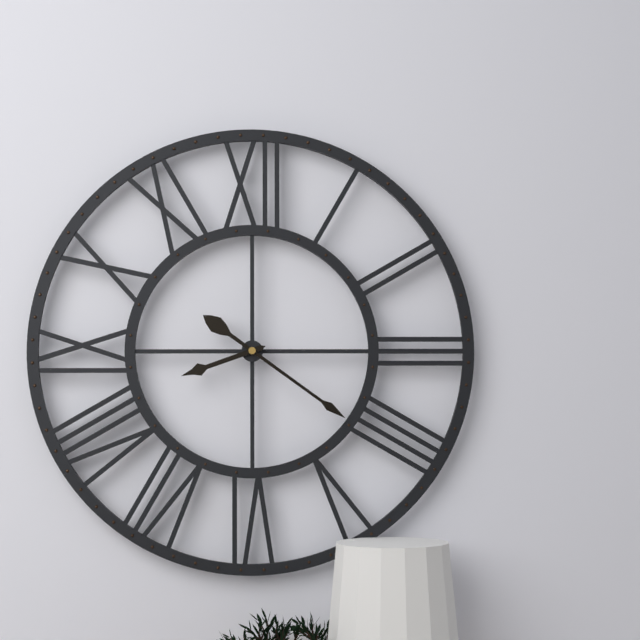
h=8 m=21
